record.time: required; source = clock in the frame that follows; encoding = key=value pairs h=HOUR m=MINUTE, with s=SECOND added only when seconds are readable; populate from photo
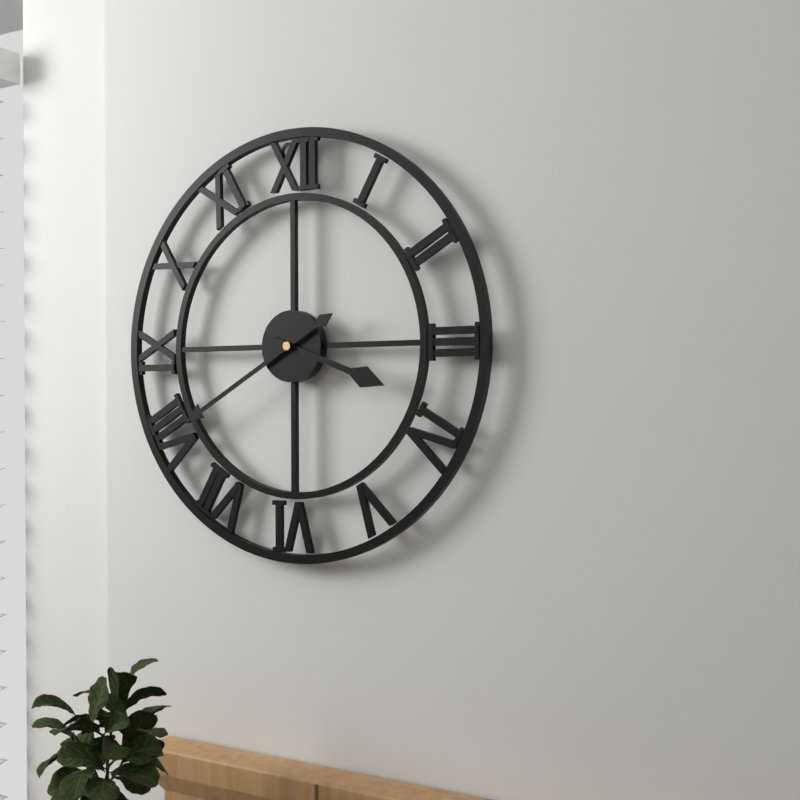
h=3 m=40
